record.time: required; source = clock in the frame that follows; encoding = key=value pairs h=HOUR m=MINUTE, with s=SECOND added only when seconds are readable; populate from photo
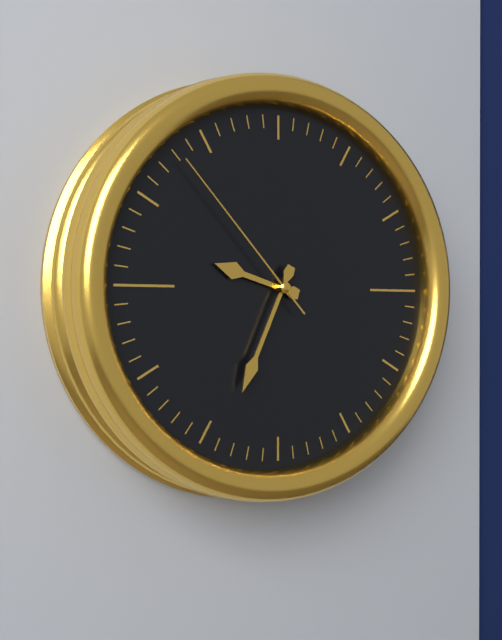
h=9 m=34 s=53
